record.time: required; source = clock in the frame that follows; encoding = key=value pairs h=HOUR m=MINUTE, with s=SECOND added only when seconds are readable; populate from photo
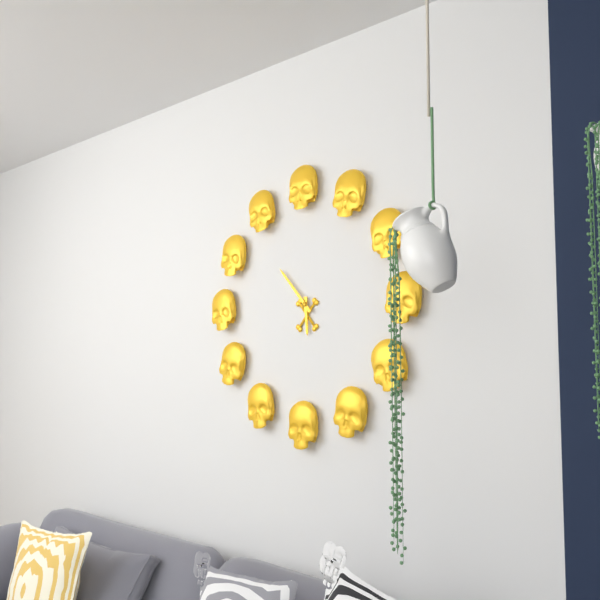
h=5 m=53
